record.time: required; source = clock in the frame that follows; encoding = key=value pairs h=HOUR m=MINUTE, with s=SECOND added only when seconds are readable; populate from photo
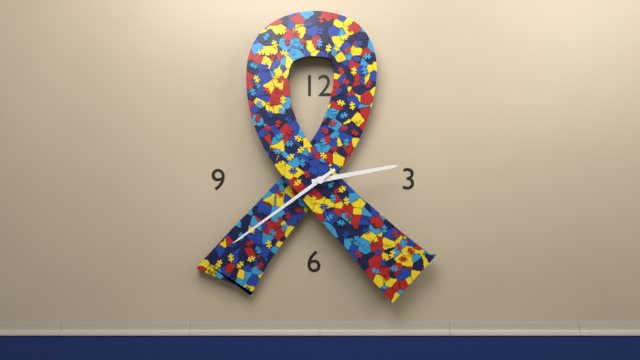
h=2 m=39
